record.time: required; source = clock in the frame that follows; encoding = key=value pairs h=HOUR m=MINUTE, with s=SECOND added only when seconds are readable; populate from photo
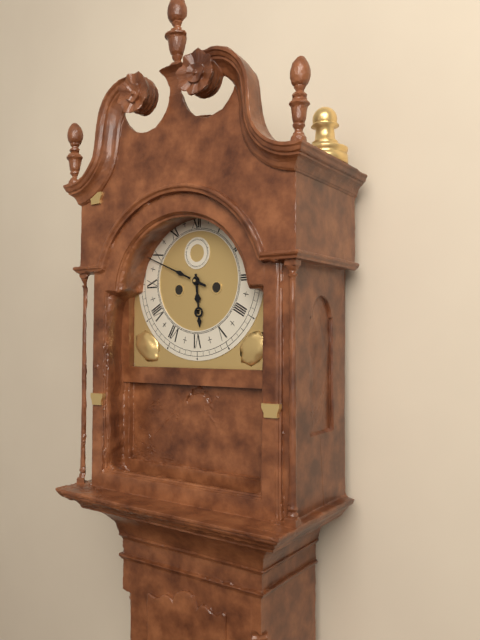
h=5 m=49
